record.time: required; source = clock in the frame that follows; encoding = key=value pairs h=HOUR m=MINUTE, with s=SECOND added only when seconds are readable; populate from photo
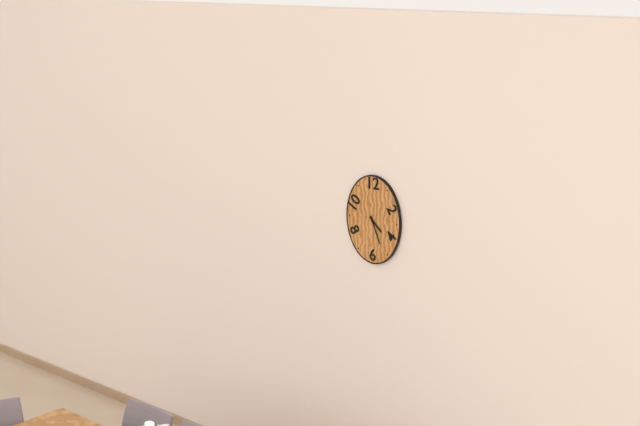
h=4 m=26
